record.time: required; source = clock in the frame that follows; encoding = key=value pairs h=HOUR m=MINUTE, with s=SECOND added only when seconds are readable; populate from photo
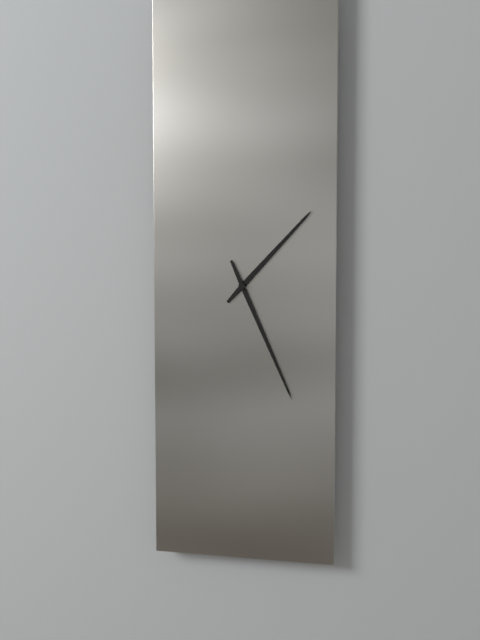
h=1 m=26
